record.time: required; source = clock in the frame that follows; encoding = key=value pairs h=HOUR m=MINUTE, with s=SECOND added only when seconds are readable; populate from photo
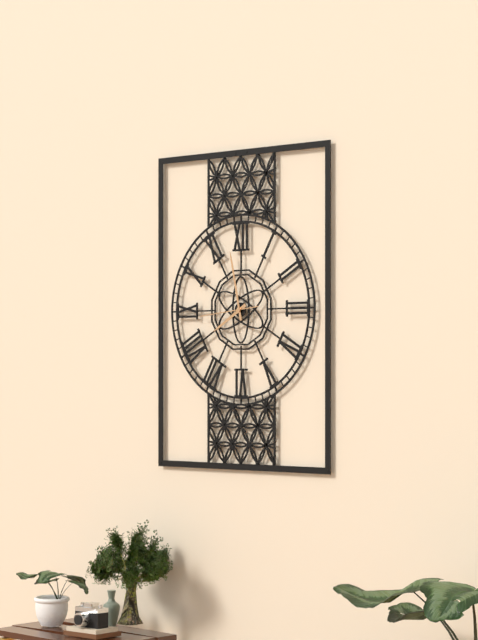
h=7 m=58 s=44
